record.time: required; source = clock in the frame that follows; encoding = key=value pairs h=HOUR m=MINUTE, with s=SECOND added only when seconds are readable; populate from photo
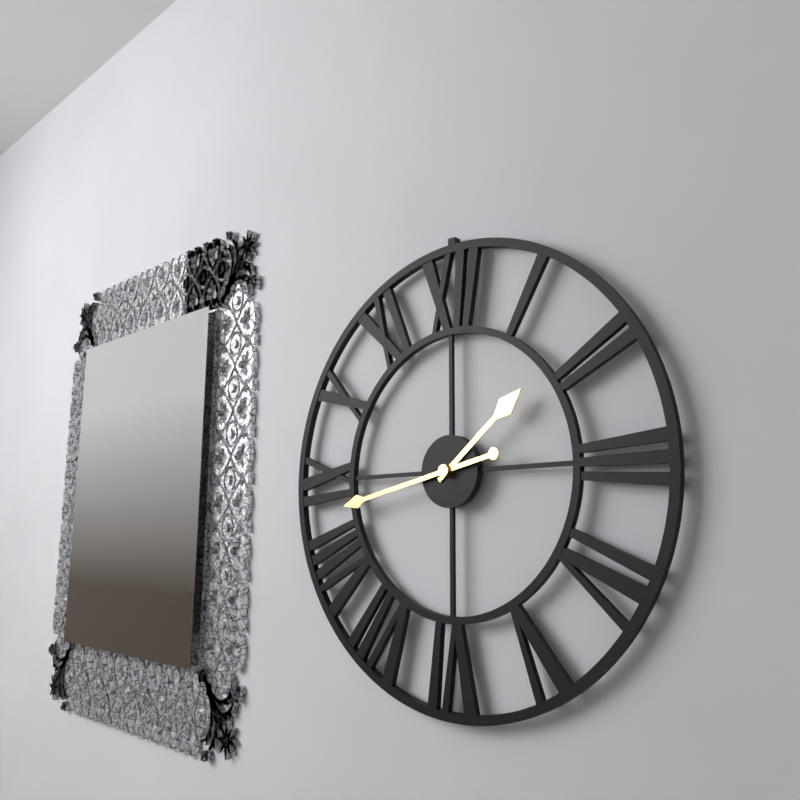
h=1 m=43
